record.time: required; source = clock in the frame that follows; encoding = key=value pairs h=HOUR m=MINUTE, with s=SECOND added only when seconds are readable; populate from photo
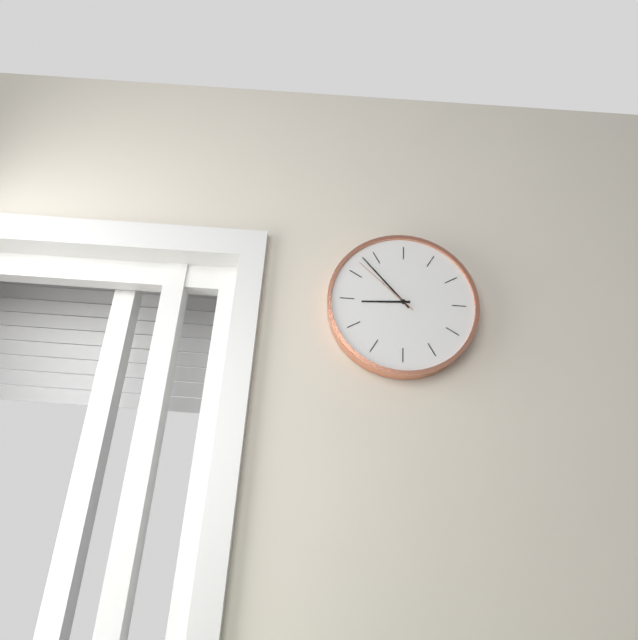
h=8 m=53 s=52
